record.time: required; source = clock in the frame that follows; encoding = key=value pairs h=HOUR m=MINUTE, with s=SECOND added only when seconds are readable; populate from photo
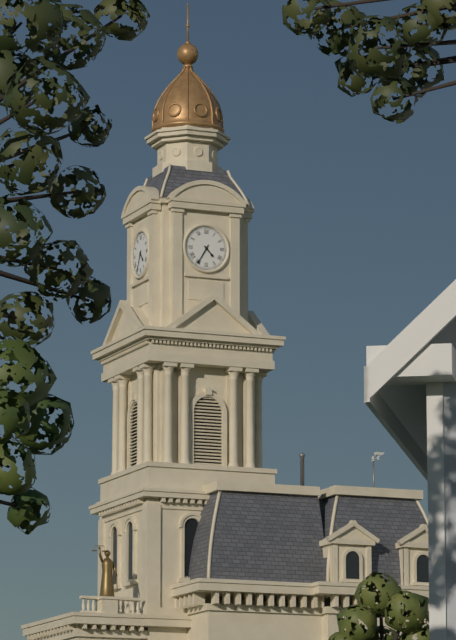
h=4 m=35
